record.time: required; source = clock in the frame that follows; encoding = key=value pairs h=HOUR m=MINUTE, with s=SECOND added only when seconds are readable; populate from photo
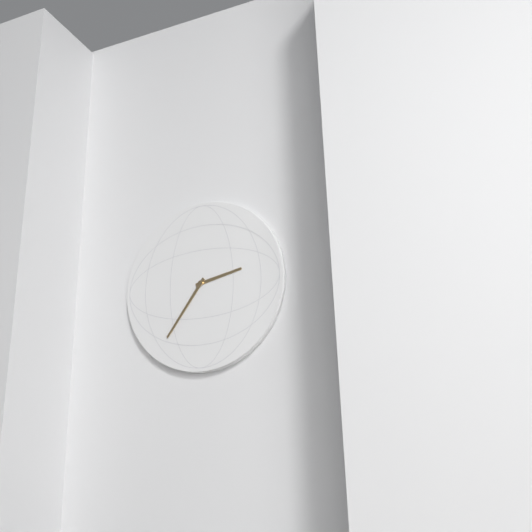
h=2 m=36
